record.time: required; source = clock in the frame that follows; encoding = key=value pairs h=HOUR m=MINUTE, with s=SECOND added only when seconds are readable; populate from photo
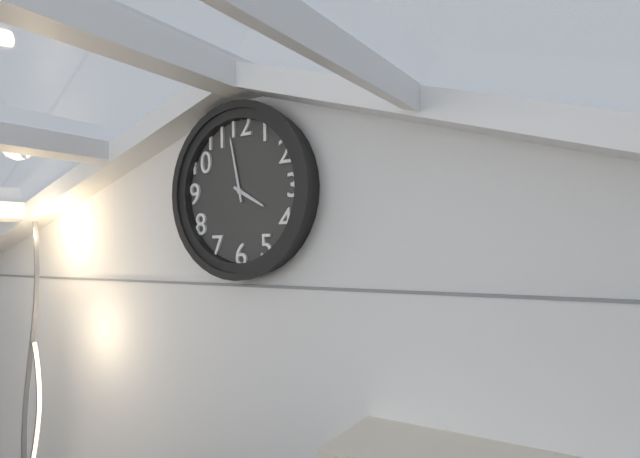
h=3 m=58
